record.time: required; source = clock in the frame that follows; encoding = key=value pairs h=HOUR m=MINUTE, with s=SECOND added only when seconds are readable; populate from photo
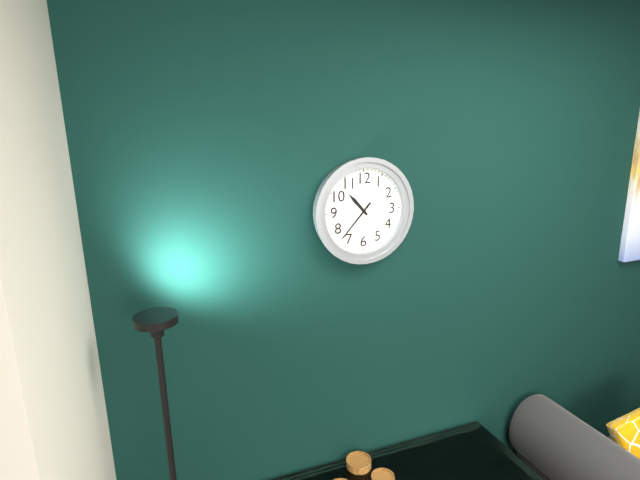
h=10 m=37
